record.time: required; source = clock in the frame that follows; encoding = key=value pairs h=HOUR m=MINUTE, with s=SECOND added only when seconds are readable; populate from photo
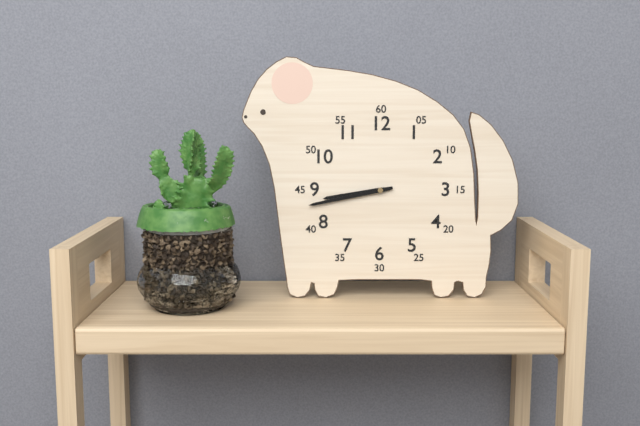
h=8 m=43
